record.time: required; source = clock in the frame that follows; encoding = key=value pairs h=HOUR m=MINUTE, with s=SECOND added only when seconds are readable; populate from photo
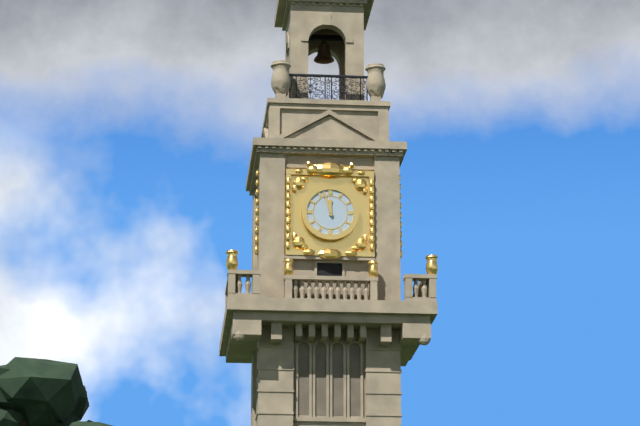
h=11 m=57
